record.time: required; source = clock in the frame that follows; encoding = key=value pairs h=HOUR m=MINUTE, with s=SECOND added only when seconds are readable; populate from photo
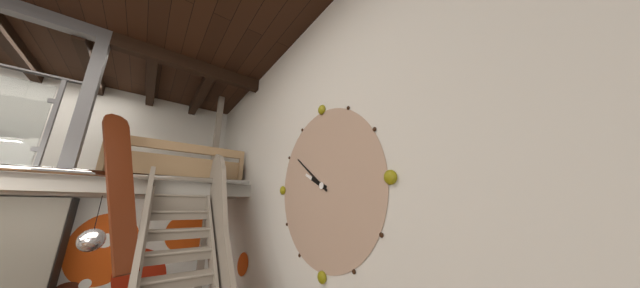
h=9 m=51
